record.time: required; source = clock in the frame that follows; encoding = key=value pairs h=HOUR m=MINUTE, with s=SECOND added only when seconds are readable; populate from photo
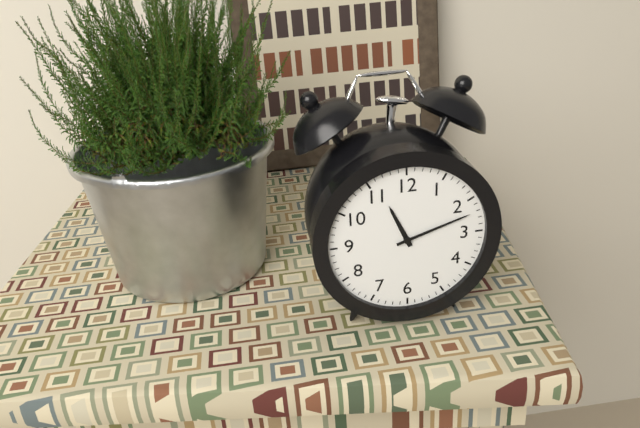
h=11 m=12
